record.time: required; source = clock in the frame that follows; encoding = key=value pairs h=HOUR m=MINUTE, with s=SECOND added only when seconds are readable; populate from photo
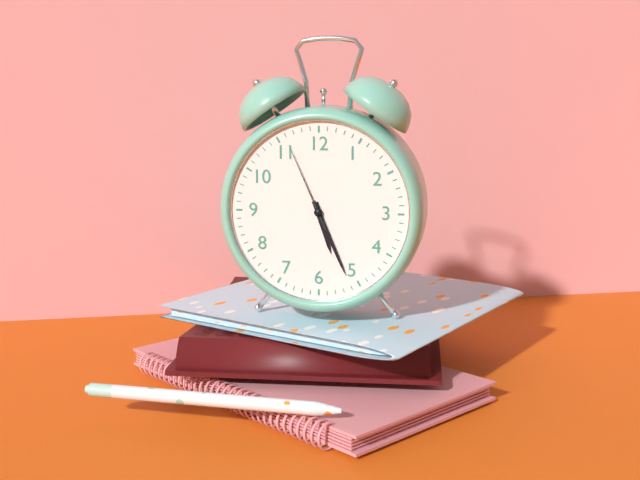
h=5 m=26 s=56
